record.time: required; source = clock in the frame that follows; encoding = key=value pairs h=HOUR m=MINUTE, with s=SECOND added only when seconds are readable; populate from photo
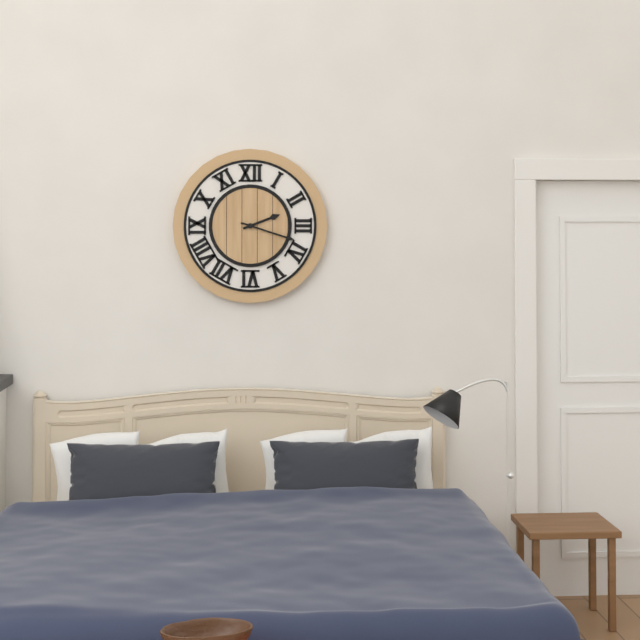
h=2 m=18
